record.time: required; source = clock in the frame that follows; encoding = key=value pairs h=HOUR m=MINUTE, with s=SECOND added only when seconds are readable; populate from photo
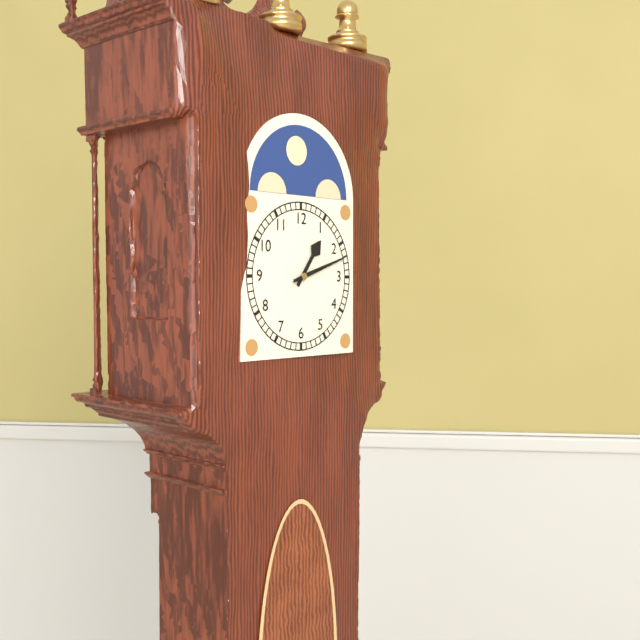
h=1 m=12
